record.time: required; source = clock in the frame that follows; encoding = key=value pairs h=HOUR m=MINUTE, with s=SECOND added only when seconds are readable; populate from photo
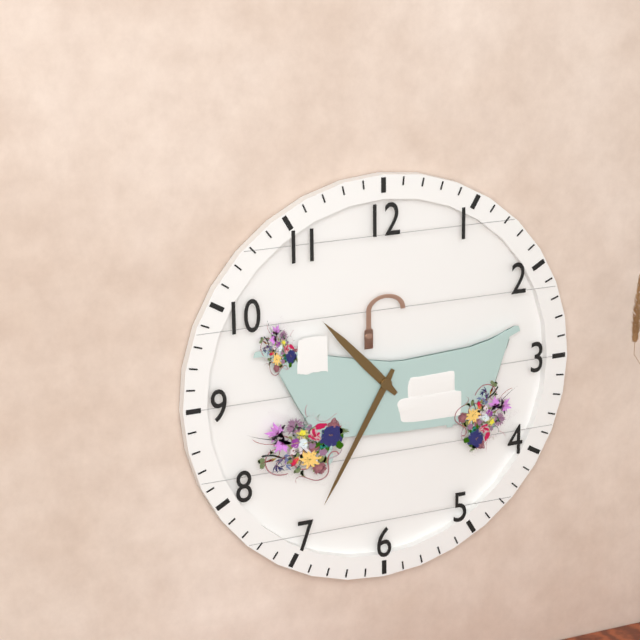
h=10 m=35
